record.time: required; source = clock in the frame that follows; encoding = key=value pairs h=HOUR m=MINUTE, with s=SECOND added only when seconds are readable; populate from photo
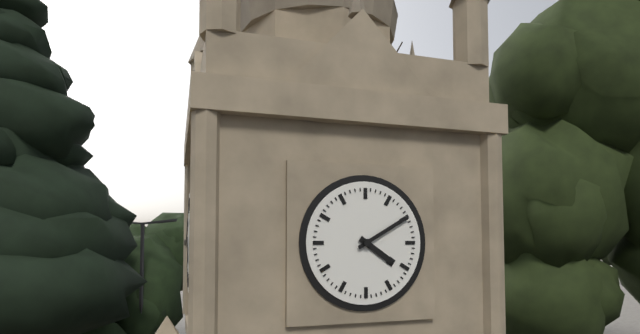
h=4 m=10
